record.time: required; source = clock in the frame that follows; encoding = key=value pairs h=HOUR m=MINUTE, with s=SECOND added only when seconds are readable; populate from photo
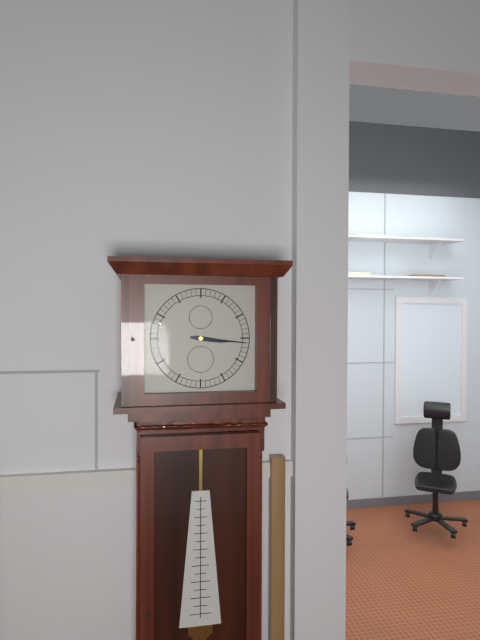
h=3 m=16
